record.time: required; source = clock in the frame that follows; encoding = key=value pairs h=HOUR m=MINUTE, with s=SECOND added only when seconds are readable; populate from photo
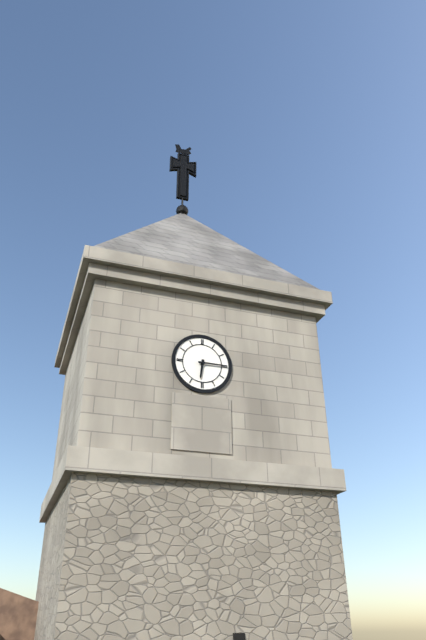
h=6 m=15
